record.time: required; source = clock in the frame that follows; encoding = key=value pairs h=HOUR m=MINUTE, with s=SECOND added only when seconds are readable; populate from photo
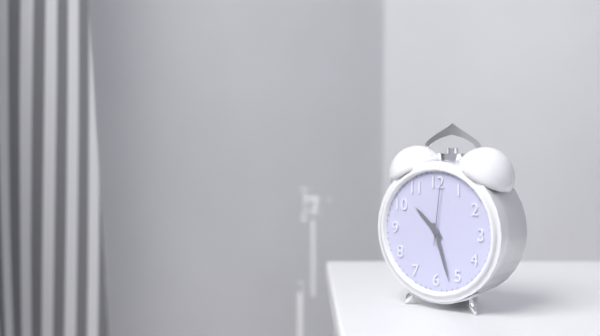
h=10 m=27 s=1
